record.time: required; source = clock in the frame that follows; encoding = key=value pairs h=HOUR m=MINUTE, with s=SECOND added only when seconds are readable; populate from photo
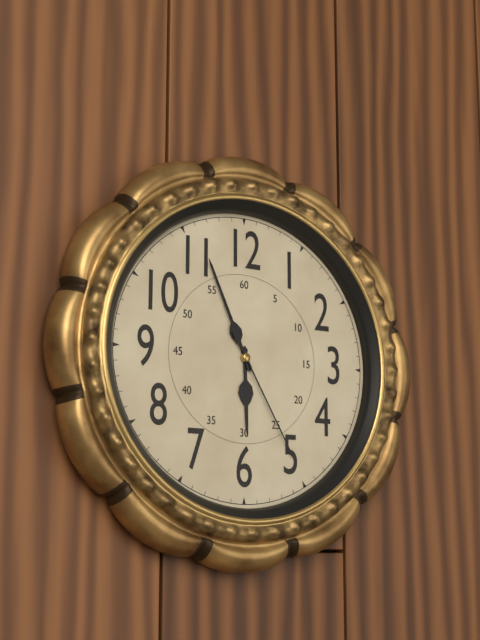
h=5 m=56 s=25
